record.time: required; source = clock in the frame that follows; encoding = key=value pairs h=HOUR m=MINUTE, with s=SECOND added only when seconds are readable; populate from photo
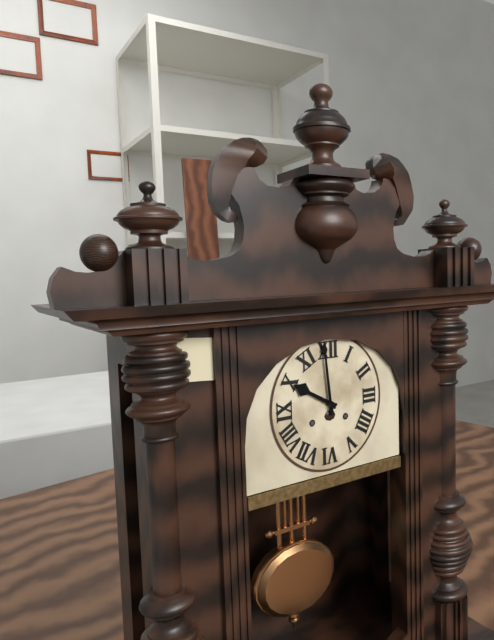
h=9 m=59
